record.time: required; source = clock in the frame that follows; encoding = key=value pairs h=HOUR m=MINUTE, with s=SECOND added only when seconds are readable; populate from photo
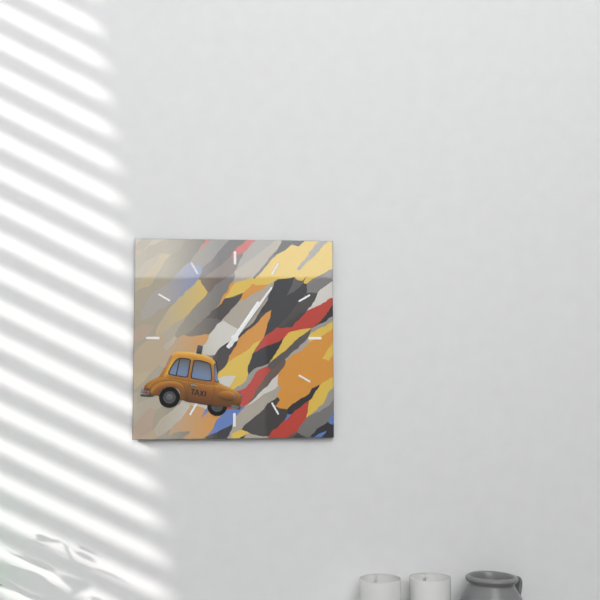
h=1 m=6
